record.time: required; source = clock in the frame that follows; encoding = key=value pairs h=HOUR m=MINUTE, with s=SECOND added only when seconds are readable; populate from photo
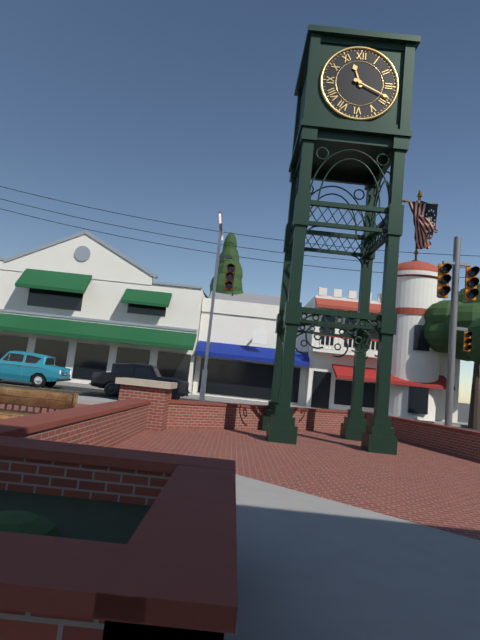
h=11 m=19
